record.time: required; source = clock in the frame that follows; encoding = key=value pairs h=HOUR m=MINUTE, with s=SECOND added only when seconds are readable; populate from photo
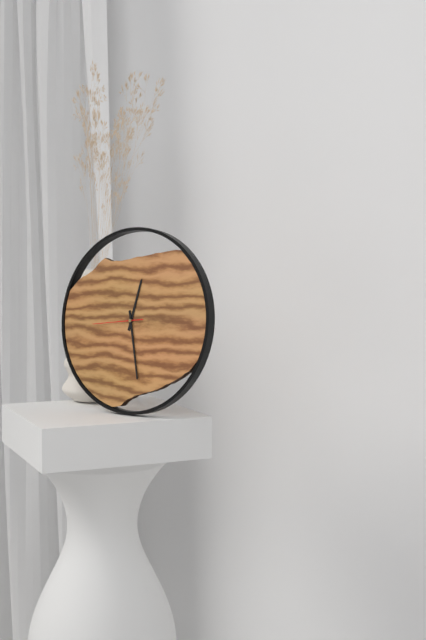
h=12 m=28 s=44
